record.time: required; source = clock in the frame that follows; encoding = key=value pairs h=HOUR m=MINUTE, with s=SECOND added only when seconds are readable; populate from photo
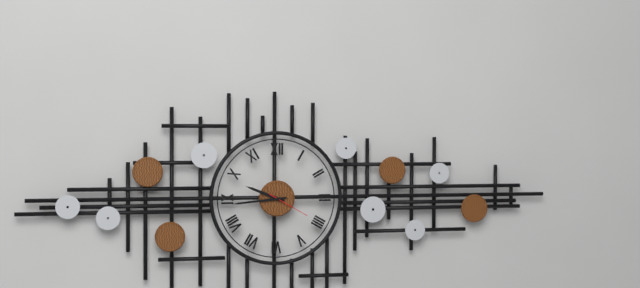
h=9 m=44
